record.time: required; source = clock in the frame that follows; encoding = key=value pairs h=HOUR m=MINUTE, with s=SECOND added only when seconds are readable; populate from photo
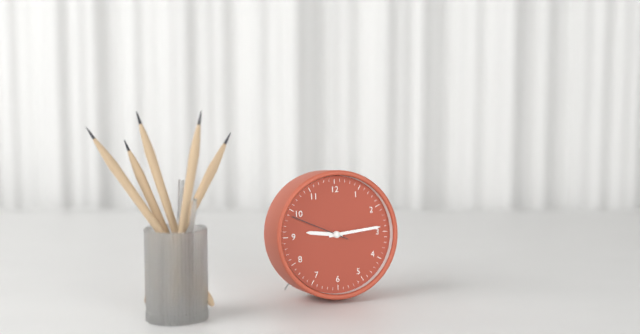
h=9 m=14 s=49
